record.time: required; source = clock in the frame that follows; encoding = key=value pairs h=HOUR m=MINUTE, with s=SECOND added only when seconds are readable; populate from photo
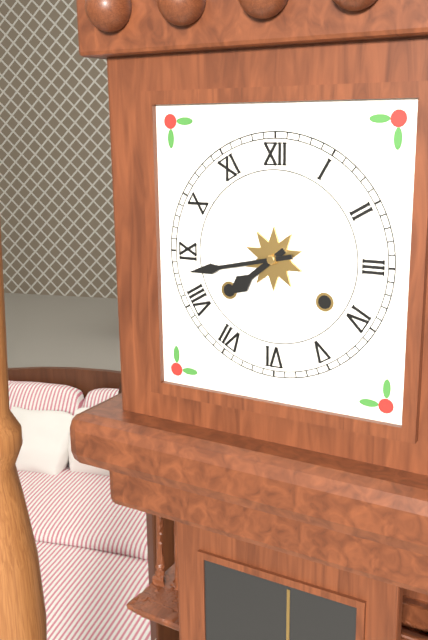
h=7 m=43
